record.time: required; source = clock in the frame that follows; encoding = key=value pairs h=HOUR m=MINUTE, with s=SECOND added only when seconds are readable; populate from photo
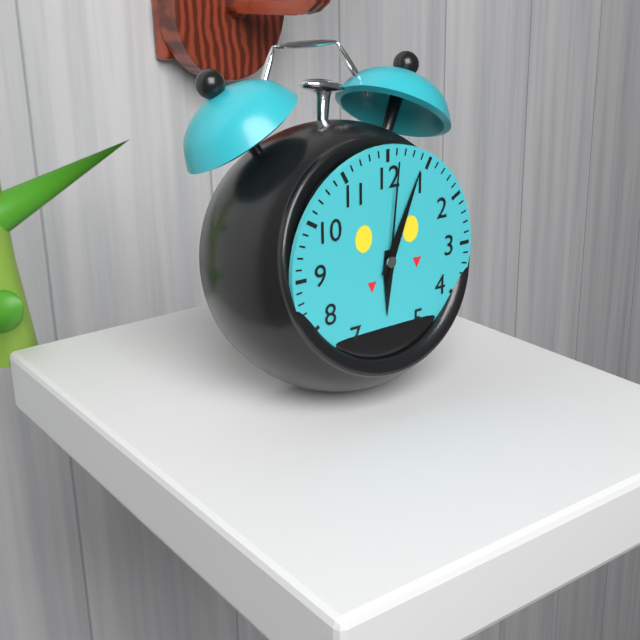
h=6 m=4 s=1
